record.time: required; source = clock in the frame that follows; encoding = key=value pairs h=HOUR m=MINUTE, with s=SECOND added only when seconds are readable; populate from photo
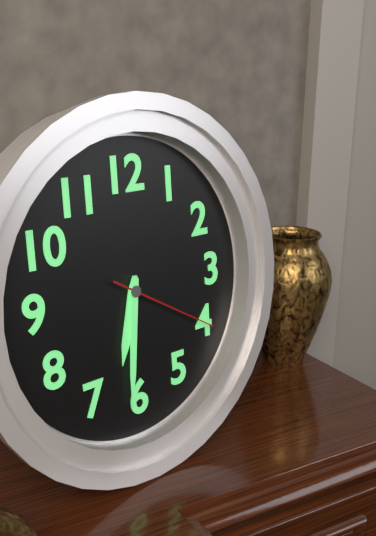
h=6 m=31 s=20
